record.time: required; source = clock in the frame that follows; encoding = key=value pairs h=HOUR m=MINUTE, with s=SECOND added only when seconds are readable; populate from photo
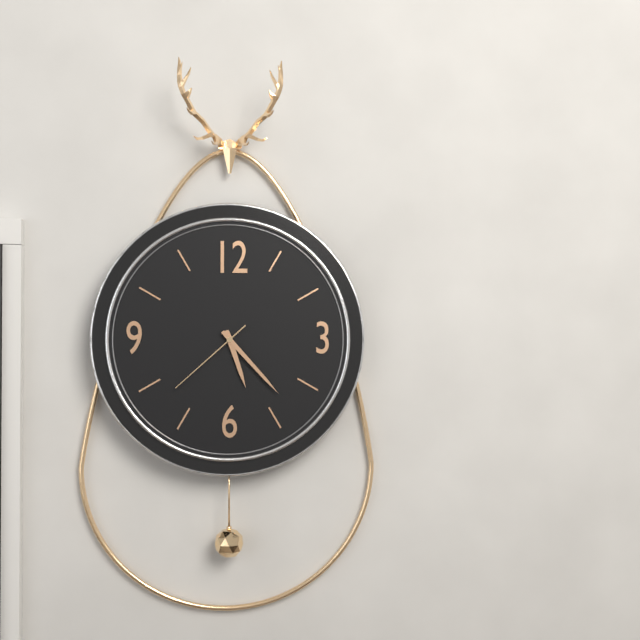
h=5 m=23 s=38
